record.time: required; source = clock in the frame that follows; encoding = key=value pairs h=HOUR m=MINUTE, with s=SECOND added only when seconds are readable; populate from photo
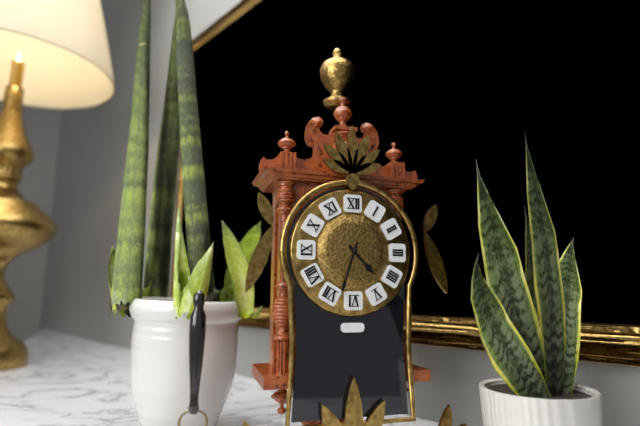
h=4 m=33
